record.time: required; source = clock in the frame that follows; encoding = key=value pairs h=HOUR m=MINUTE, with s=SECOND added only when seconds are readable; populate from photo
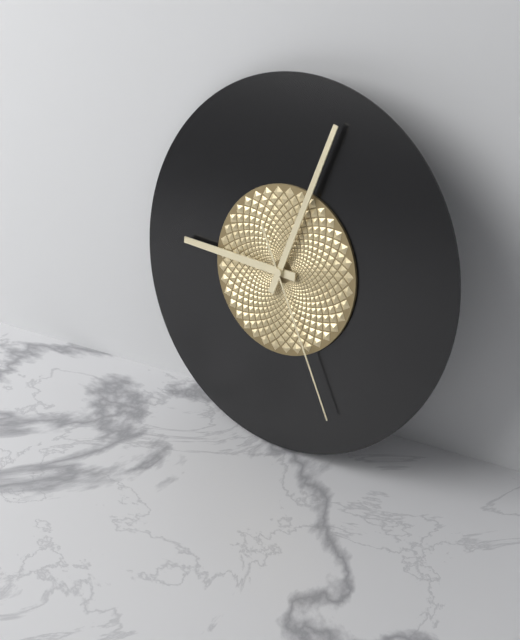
h=9 m=3 s=25
